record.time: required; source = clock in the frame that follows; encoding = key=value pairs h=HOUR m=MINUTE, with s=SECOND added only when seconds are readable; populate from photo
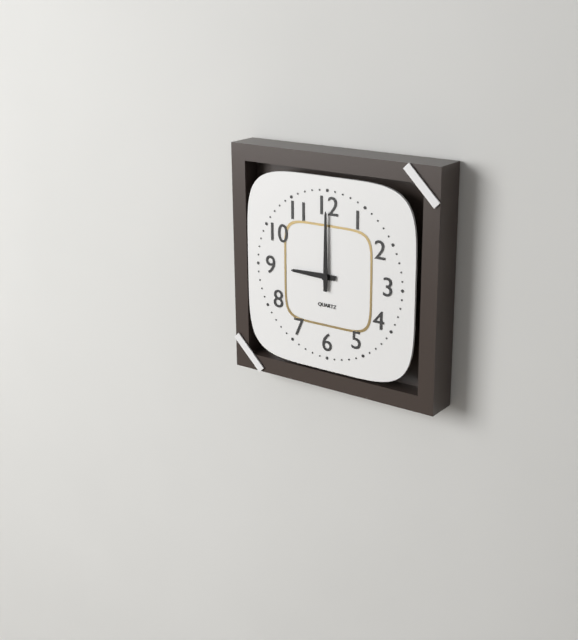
h=9 m=0
